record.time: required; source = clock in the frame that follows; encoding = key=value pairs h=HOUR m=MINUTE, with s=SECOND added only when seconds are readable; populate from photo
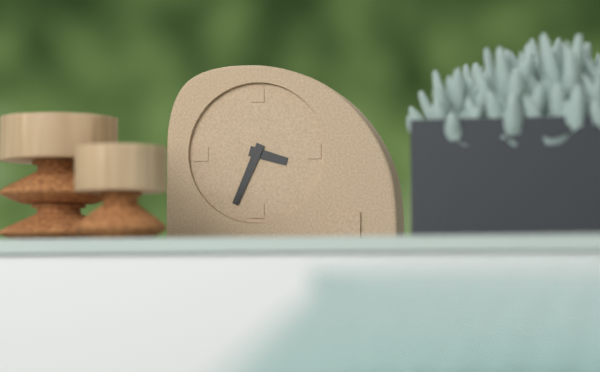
h=3 m=34
